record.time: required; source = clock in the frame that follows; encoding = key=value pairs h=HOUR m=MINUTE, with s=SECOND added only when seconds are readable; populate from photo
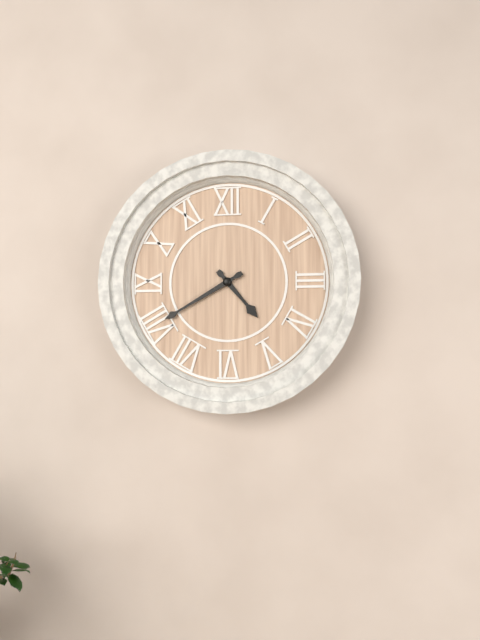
h=4 m=40
